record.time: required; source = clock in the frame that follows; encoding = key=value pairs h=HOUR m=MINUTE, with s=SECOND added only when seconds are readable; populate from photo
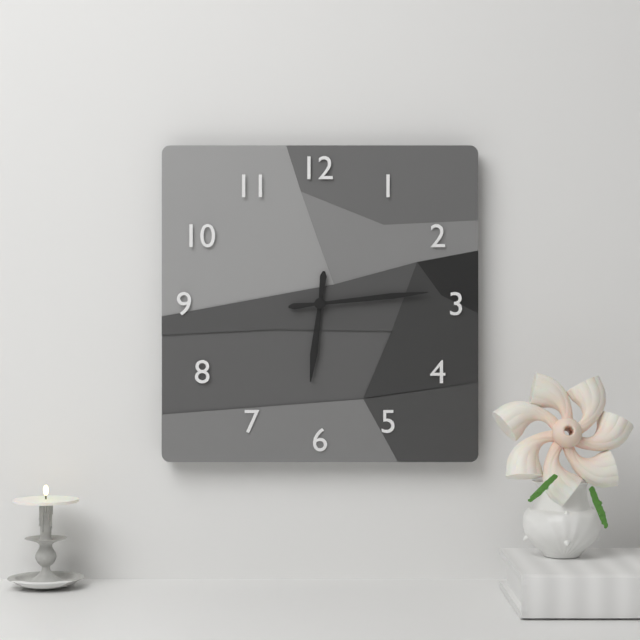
h=6 m=14
